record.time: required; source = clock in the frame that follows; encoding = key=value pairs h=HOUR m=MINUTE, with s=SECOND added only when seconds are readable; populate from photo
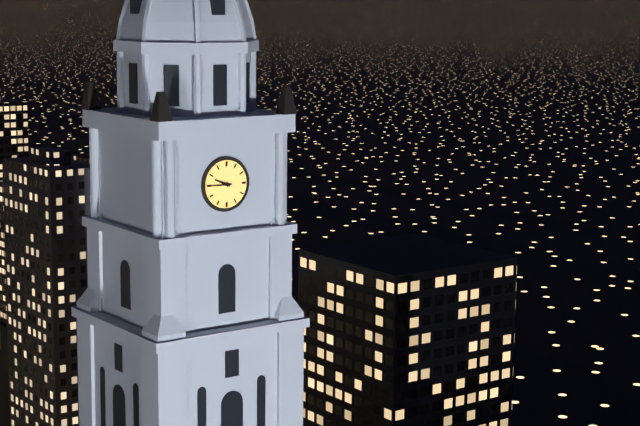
h=9 m=45
